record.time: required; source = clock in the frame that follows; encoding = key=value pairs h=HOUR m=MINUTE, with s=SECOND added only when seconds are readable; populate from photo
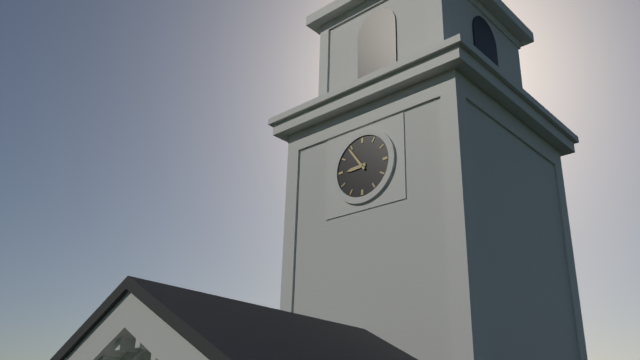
h=8 m=54
